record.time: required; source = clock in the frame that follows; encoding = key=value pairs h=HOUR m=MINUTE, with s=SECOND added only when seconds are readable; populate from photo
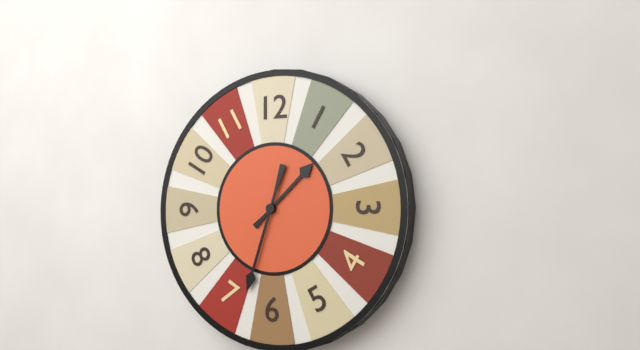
h=1 m=33
